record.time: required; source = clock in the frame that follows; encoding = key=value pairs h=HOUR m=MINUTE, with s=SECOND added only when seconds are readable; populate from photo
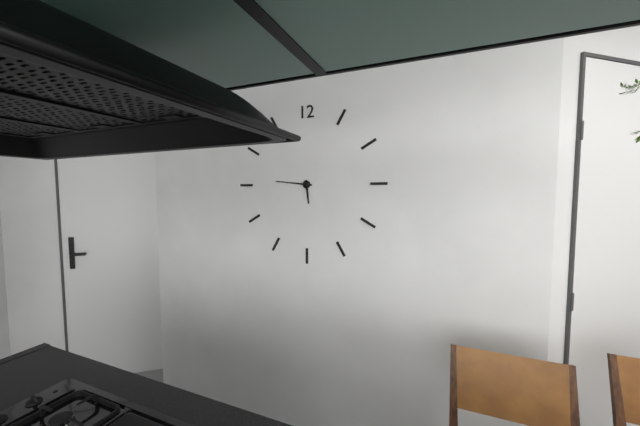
h=5 m=46
